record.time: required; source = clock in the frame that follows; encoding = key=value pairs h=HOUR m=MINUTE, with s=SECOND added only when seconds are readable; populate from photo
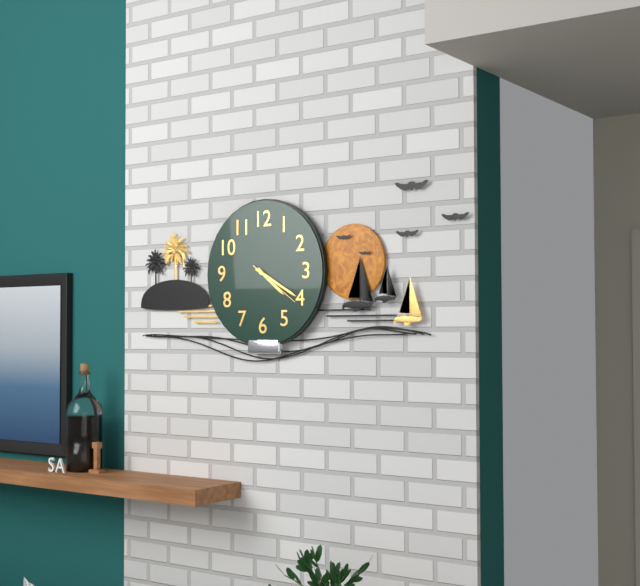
h=4 m=20 s=21
